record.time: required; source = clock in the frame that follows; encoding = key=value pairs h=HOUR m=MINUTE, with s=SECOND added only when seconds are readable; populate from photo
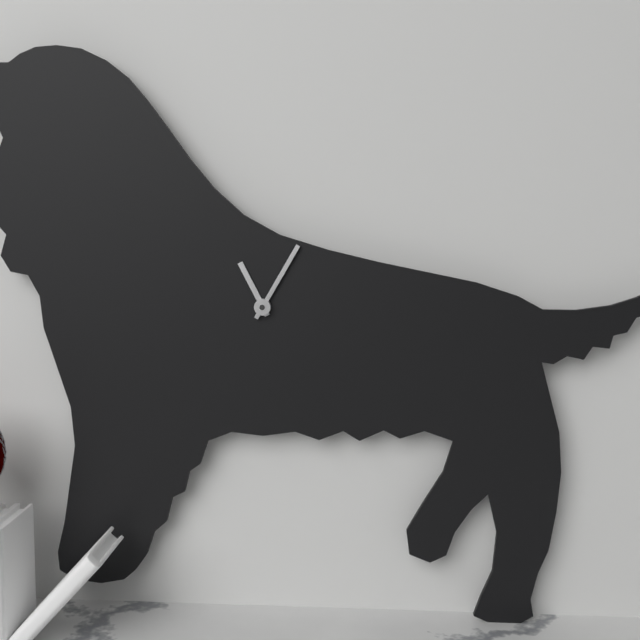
h=11 m=5
